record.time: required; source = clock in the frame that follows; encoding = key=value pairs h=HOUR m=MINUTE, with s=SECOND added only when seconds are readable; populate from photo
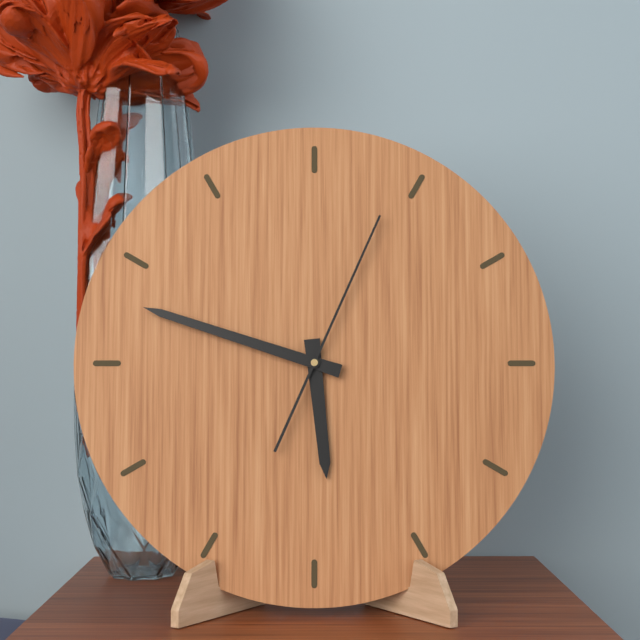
h=5 m=48 s=4
